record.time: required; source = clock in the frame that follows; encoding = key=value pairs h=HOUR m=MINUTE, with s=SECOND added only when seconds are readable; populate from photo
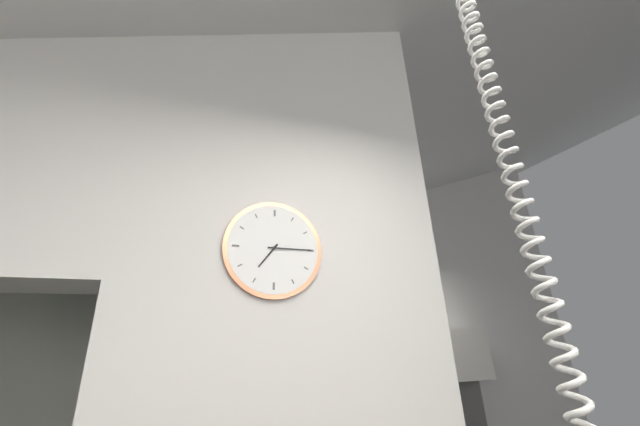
h=7 m=15
